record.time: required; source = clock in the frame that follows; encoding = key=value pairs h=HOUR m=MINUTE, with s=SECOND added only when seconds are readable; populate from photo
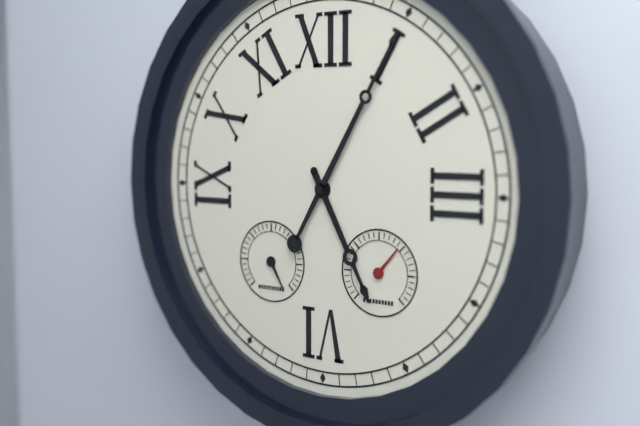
h=5 m=5
